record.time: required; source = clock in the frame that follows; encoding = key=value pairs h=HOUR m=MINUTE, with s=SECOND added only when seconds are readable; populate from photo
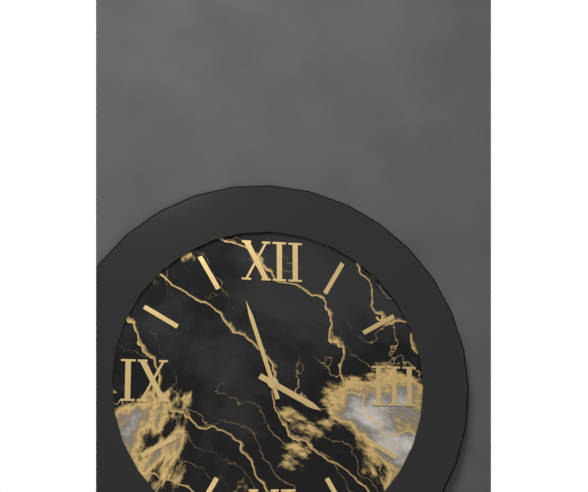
h=3 m=57
